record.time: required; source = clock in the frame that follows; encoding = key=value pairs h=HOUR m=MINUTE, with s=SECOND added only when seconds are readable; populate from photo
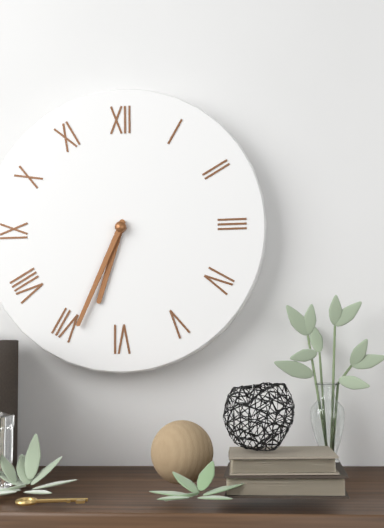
h=6 m=34
